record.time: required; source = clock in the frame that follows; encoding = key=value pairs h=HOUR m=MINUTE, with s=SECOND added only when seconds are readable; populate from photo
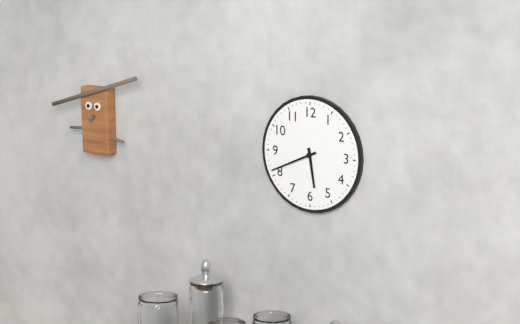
h=5 m=41
